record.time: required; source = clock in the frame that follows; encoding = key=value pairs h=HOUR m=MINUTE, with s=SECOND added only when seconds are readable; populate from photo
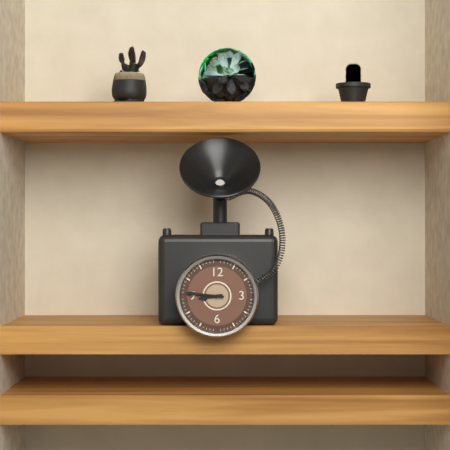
h=8 m=46
